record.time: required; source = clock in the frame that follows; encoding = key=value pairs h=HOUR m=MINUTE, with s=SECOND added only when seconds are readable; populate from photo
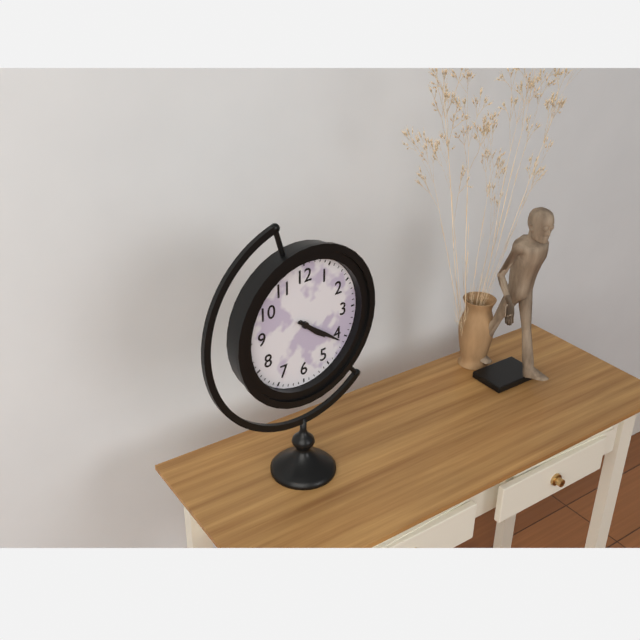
h=4 m=21
